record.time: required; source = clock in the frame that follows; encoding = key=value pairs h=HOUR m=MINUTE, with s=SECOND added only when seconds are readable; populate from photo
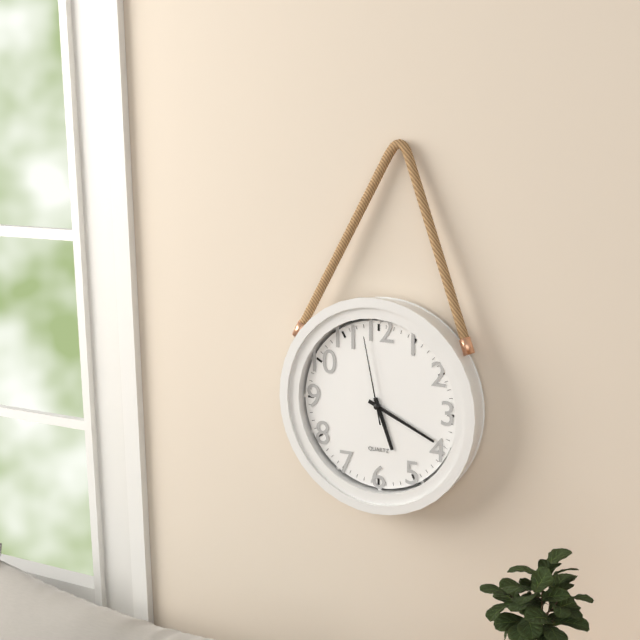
h=5 m=19 s=58
